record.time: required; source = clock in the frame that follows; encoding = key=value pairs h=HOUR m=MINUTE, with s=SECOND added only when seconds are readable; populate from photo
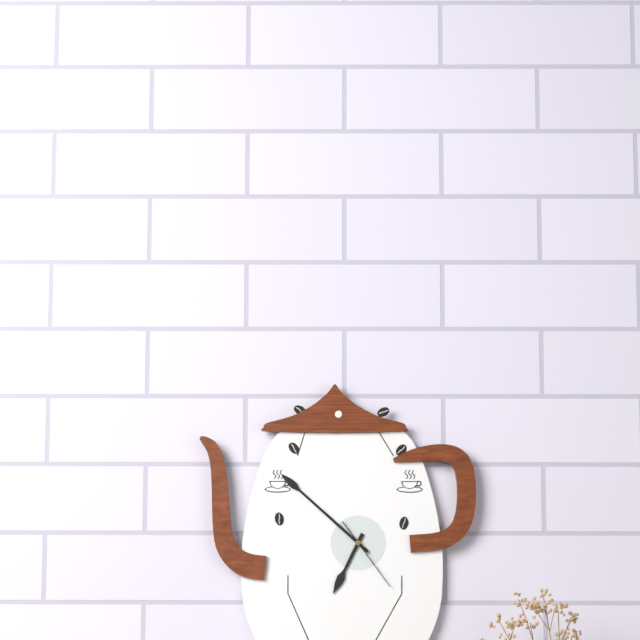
h=6 m=52 s=24
